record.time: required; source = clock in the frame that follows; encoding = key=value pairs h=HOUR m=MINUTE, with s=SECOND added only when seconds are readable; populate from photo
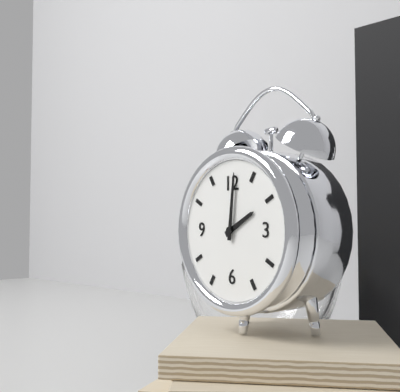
h=2 m=1
